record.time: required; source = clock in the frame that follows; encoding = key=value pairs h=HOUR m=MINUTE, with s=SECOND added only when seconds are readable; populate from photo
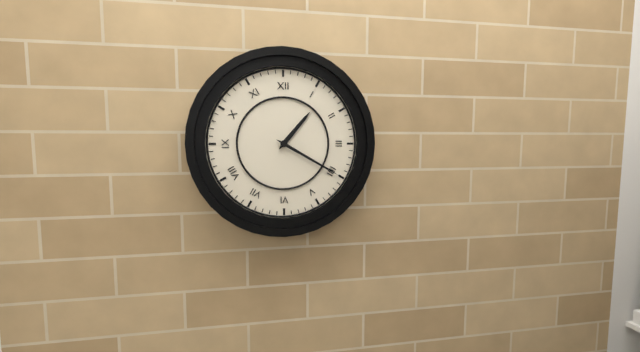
h=1 m=20
